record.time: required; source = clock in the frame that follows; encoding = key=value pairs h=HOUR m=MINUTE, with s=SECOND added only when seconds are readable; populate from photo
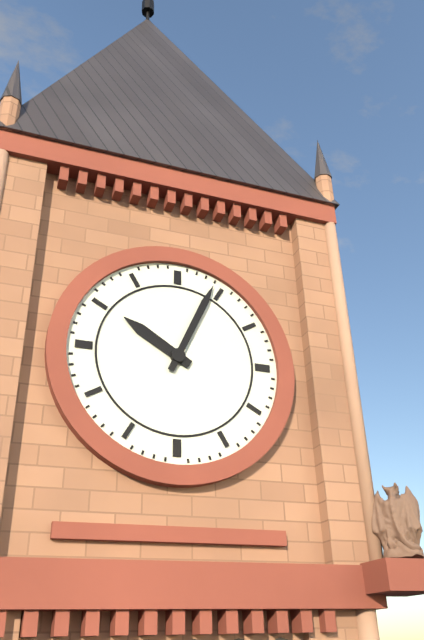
h=10 m=4
